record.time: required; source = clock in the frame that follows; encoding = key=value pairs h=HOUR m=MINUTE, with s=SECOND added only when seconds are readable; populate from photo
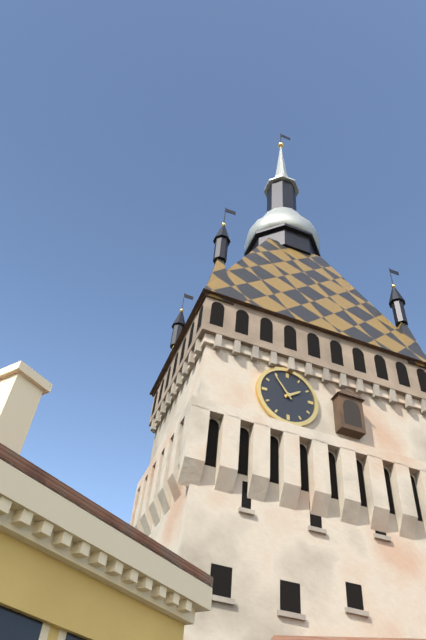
h=1 m=54
